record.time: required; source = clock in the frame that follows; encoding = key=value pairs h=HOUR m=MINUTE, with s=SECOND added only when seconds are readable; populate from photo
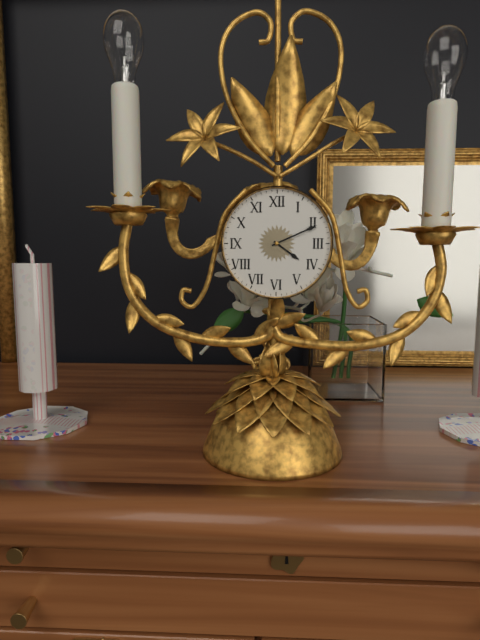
h=4 m=11
